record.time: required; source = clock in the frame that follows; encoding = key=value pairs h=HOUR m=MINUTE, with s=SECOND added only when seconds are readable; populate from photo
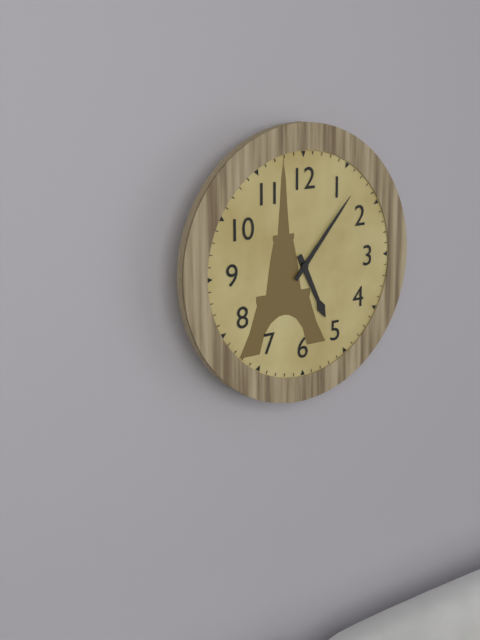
h=5 m=7
